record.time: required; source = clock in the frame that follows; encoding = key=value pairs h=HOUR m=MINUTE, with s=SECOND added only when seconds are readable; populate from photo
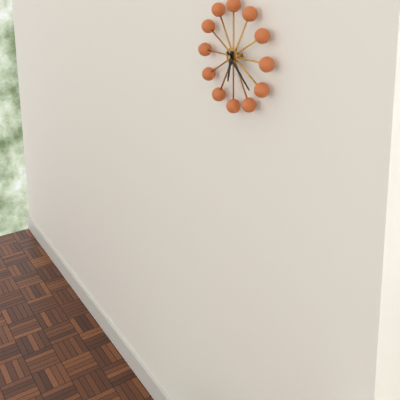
h=6 m=22
